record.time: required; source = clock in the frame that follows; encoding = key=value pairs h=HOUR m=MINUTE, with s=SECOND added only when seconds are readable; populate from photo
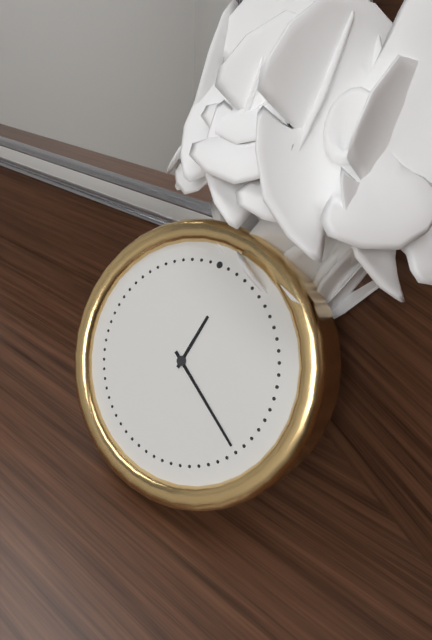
h=12 m=20
